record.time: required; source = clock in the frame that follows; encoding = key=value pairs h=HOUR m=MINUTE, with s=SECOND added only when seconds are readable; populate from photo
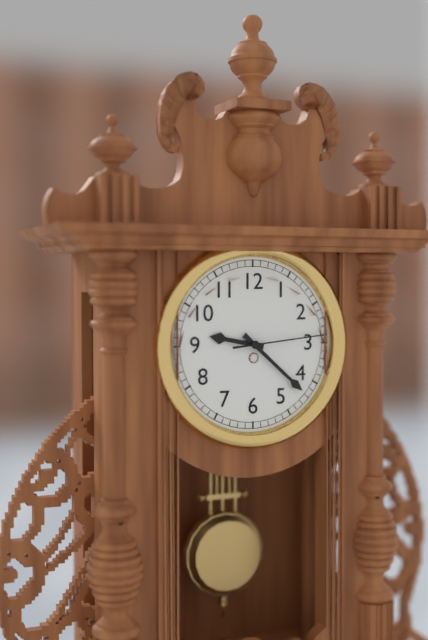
h=9 m=22 s=14
